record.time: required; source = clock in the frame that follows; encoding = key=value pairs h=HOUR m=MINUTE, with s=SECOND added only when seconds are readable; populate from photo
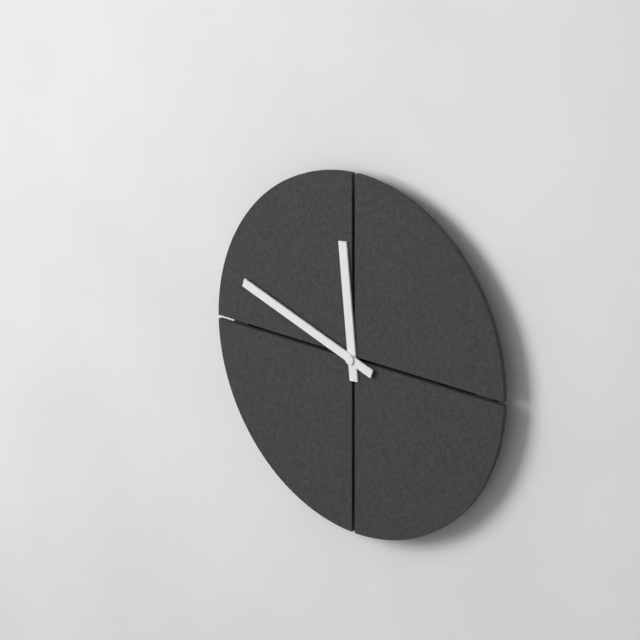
h=11 m=48
